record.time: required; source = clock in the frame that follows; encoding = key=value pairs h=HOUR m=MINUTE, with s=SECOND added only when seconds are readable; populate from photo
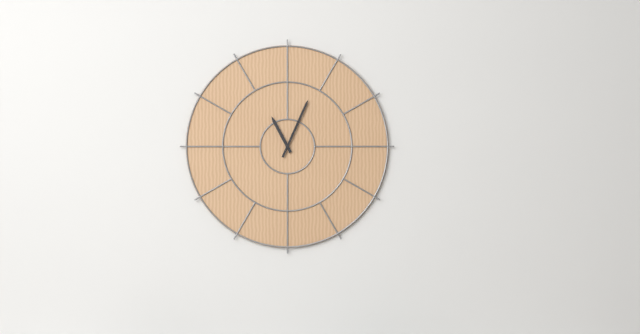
h=11 m=4
